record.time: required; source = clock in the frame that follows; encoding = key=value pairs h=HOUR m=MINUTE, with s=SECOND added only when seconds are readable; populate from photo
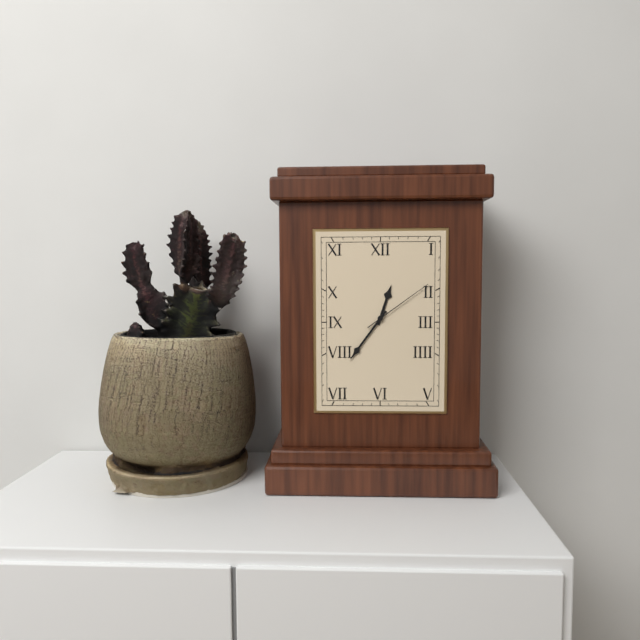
h=12 m=36 s=9
